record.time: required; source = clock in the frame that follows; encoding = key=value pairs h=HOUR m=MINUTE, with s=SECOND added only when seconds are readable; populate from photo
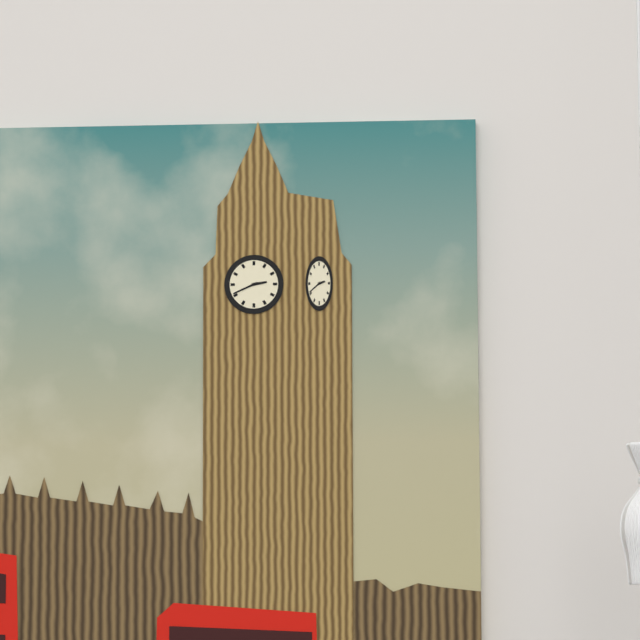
h=2 m=41
